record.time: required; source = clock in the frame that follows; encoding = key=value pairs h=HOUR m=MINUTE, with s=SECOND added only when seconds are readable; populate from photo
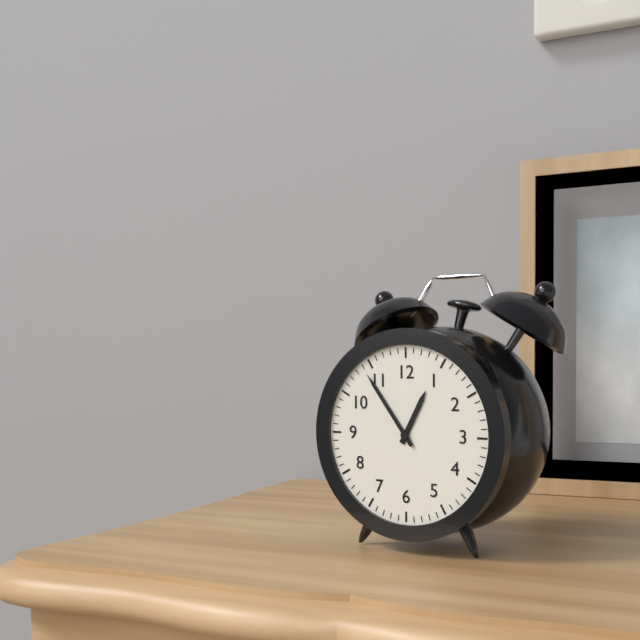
h=12 m=54
